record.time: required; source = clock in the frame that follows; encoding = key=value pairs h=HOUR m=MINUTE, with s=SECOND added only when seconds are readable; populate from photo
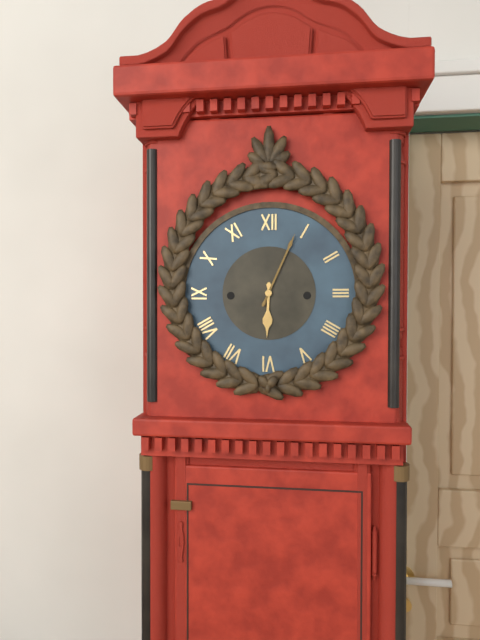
h=6 m=4
